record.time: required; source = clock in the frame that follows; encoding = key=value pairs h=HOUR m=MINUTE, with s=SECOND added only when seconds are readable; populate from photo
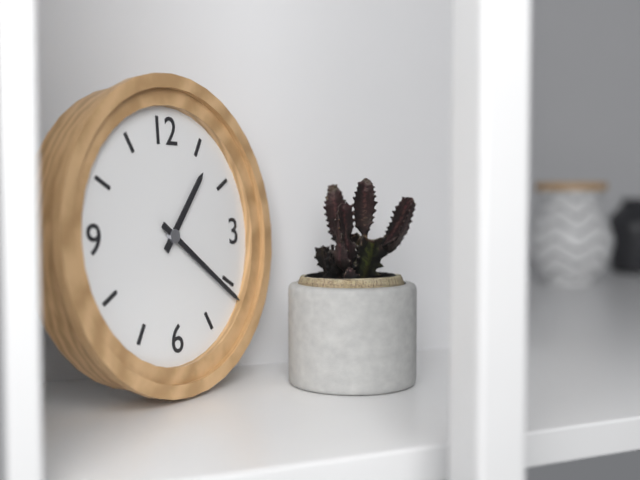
h=1 m=21
